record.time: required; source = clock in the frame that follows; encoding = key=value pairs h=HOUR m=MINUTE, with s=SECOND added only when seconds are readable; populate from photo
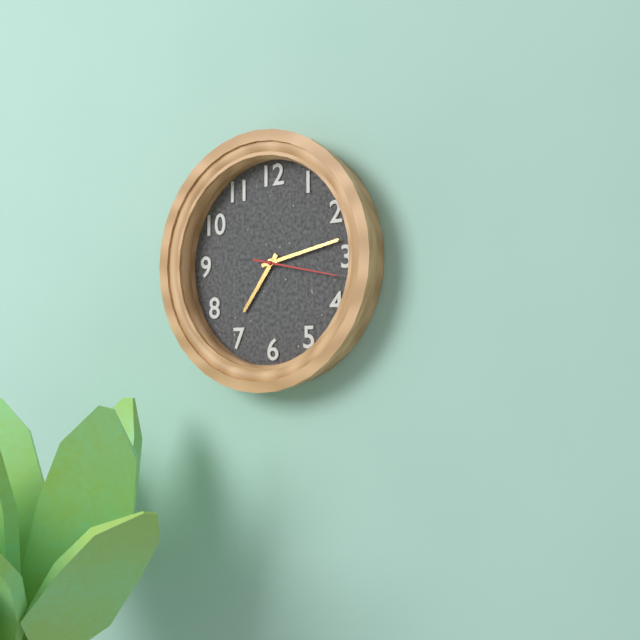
h=7 m=13 s=17
